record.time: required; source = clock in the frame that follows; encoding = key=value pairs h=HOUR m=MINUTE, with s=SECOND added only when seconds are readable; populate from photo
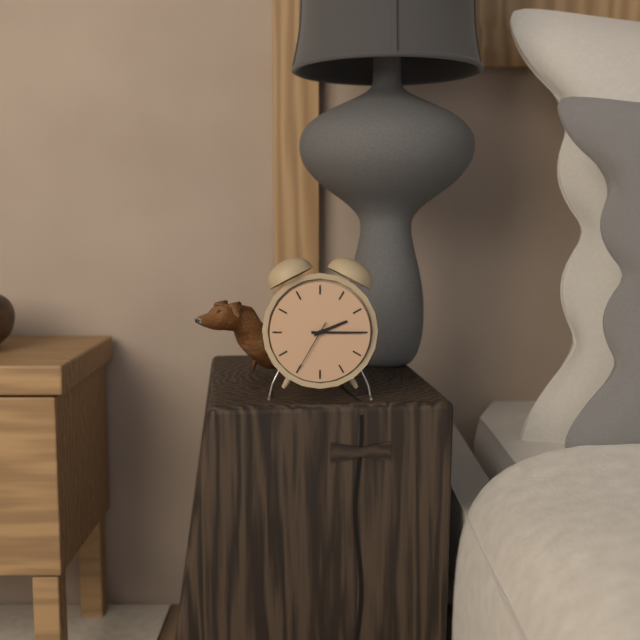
h=2 m=15 s=35
